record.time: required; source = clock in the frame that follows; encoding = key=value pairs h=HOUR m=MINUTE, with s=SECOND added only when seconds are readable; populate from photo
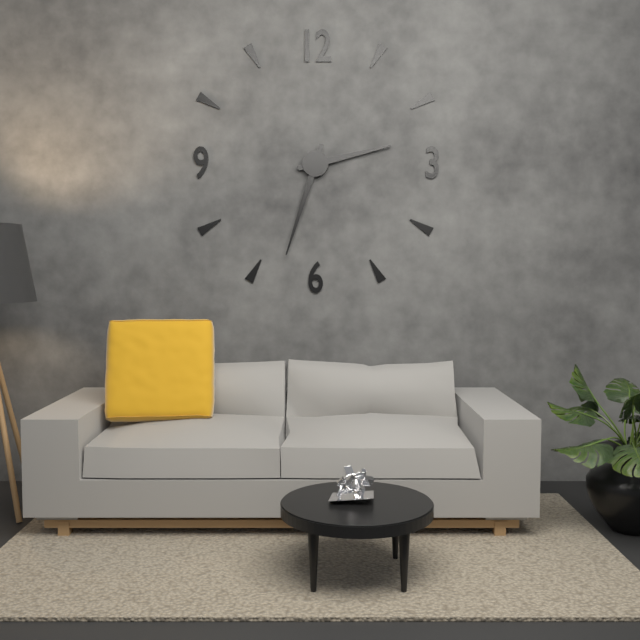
h=2 m=33
